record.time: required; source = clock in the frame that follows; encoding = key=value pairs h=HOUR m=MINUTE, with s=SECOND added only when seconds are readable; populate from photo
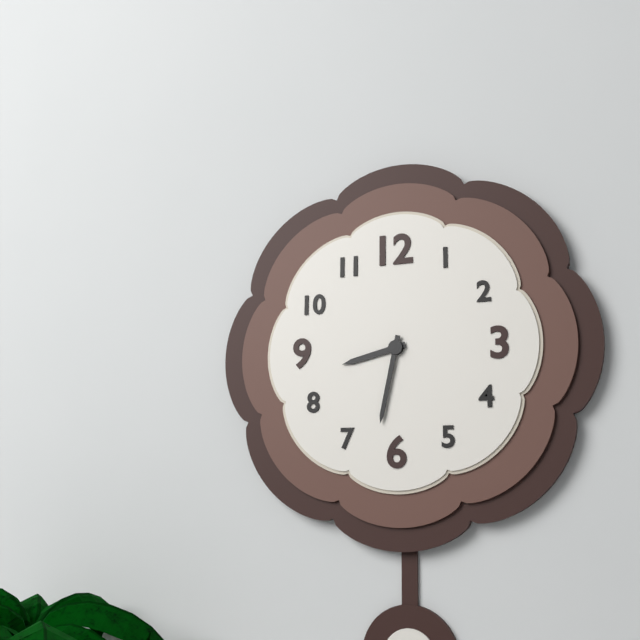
h=8 m=32
